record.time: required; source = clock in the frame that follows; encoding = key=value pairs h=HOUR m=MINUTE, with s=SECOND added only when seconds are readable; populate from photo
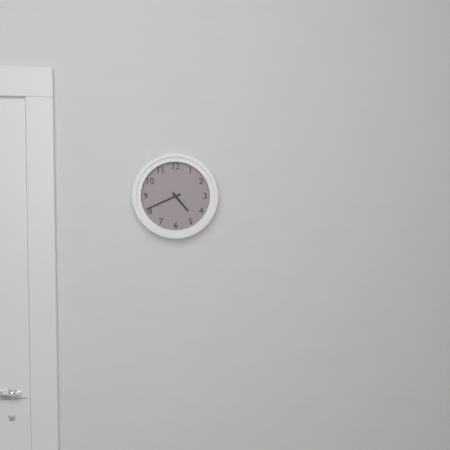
h=4 m=41
